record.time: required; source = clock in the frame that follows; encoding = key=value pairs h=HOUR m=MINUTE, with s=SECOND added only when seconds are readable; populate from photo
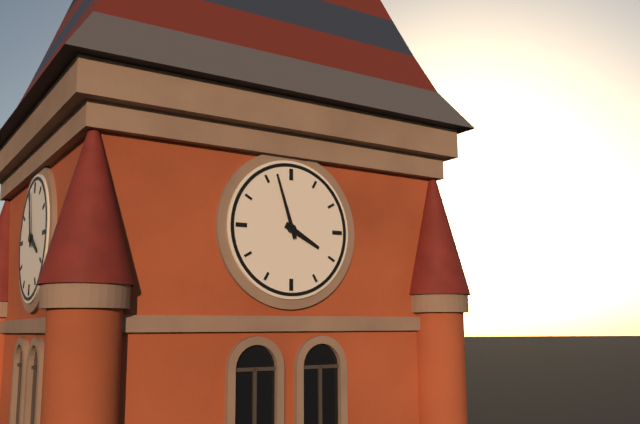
h=3 m=57
